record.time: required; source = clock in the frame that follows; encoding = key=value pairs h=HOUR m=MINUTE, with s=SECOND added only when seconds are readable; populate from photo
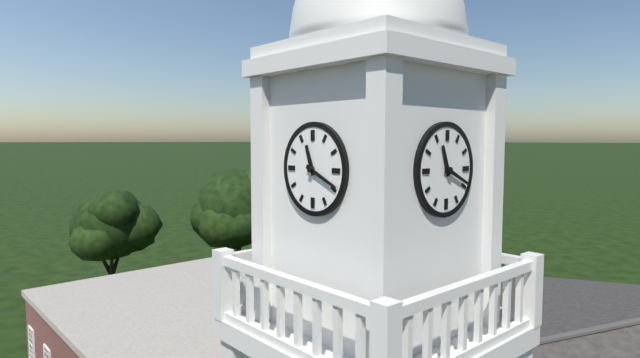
h=11 m=19
